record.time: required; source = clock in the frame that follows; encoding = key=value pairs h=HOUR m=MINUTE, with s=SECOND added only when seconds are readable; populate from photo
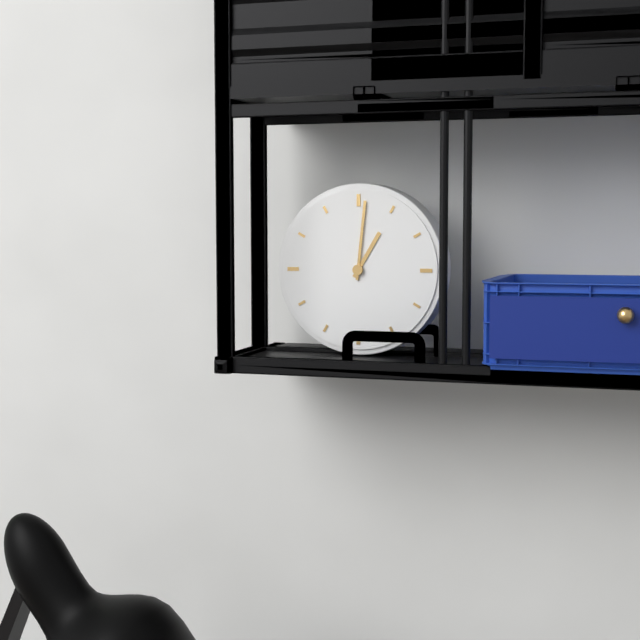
h=1 m=1
